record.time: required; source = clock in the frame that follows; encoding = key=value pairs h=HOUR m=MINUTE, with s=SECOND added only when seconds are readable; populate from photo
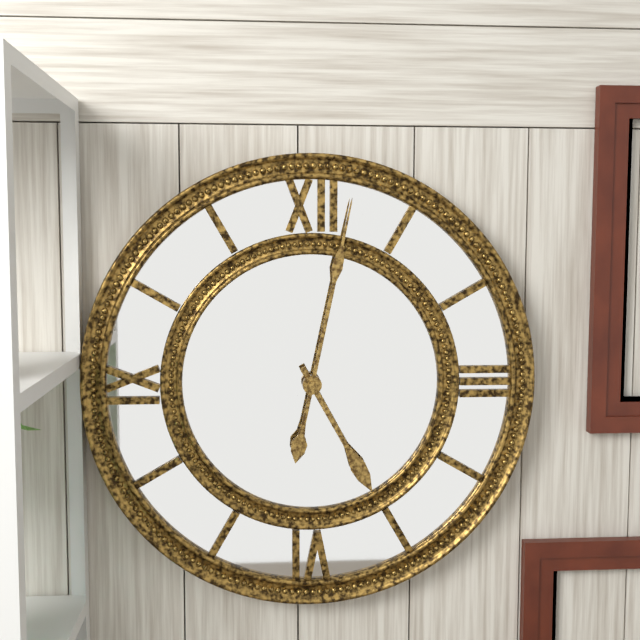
h=5 m=2
